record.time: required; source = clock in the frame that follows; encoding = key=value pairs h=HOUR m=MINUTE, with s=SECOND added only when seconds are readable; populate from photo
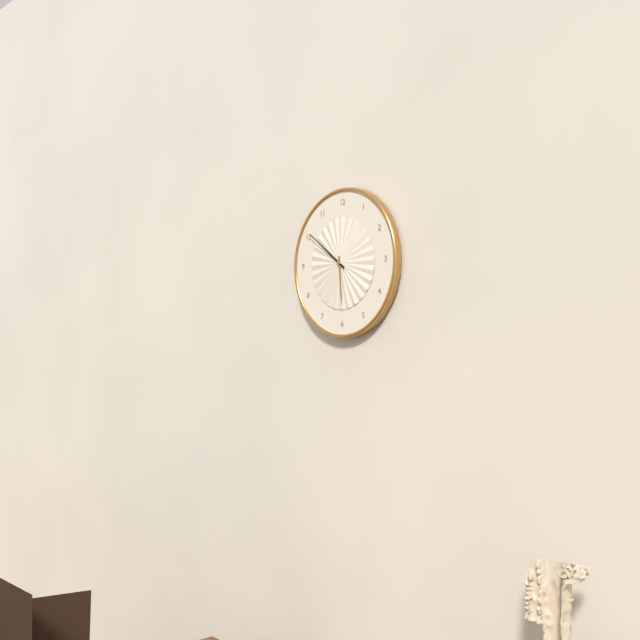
h=5 m=51
